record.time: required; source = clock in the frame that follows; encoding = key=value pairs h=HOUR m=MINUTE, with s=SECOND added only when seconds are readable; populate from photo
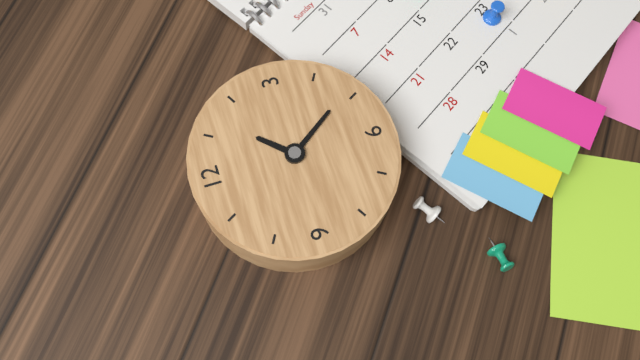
h=1 m=24
